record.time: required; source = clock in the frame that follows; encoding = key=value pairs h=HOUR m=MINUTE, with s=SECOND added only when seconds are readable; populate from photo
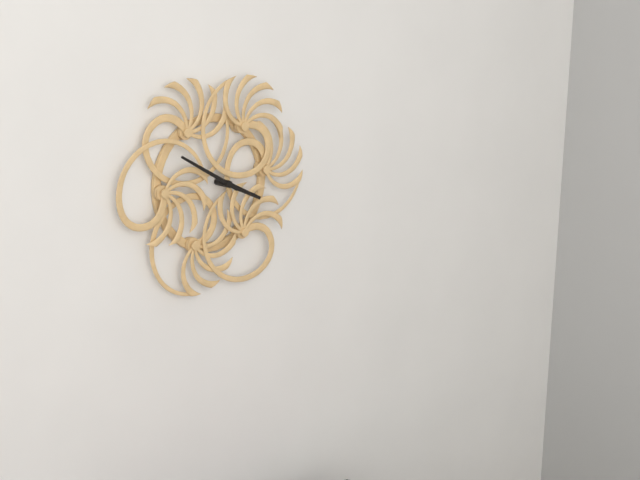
h=3 m=50
